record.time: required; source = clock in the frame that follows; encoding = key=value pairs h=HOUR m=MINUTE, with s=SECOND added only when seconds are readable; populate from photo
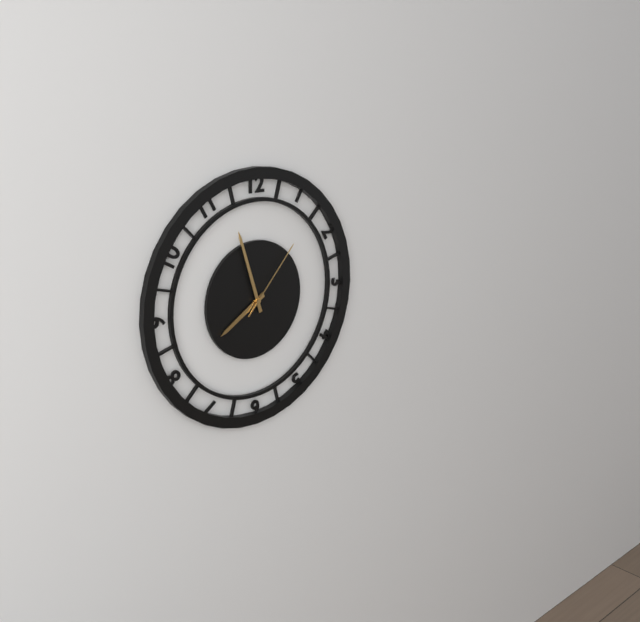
h=7 m=57 s=7
